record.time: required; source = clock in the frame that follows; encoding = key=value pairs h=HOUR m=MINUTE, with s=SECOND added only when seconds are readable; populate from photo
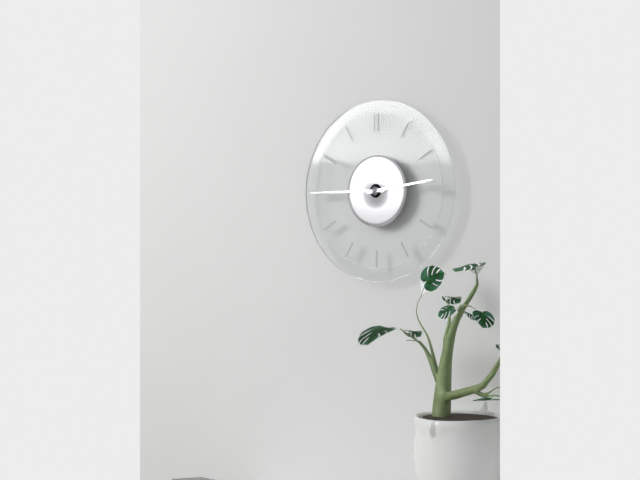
h=2 m=45
